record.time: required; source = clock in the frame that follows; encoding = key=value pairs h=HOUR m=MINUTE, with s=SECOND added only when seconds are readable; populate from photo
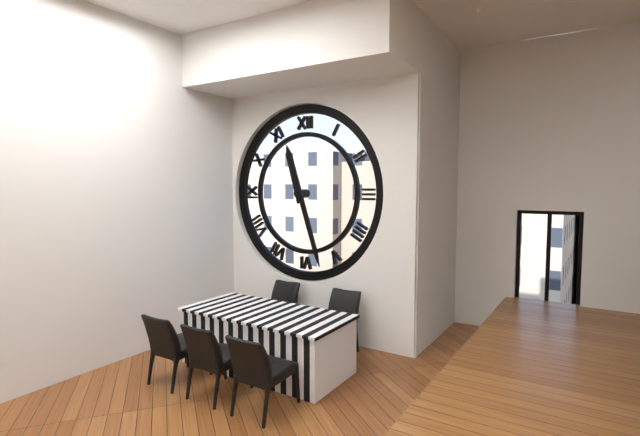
h=11 m=27
